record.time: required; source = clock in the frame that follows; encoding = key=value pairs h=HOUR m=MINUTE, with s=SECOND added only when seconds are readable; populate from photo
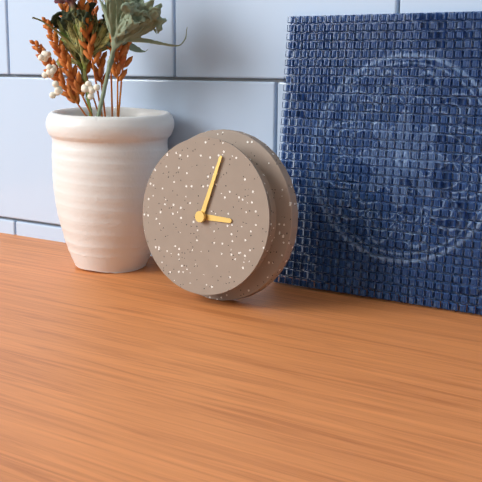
h=3 m=3
